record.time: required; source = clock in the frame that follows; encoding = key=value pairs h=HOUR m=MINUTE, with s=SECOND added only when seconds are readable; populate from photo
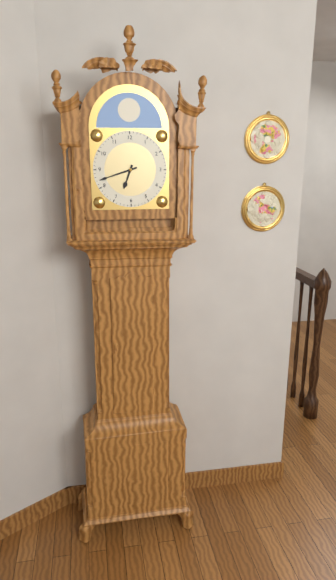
h=6 m=42
